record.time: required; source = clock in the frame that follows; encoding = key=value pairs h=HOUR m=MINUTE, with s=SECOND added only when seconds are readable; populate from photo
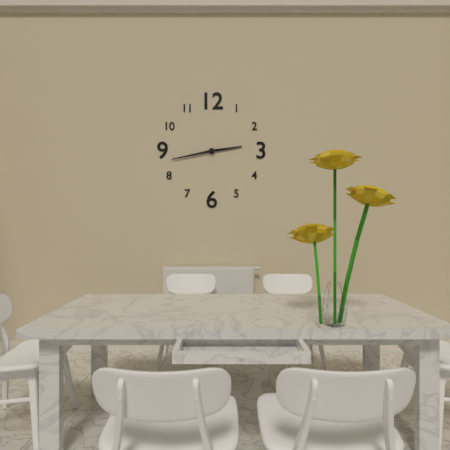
h=2 m=43
